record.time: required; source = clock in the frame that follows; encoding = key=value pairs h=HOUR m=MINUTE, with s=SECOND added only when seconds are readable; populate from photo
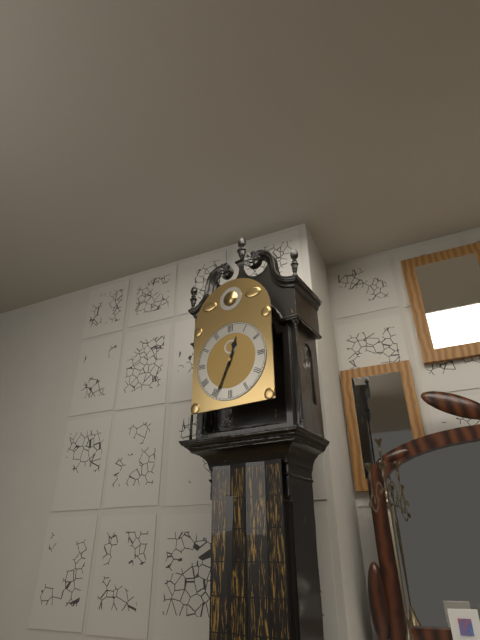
h=12 m=34
